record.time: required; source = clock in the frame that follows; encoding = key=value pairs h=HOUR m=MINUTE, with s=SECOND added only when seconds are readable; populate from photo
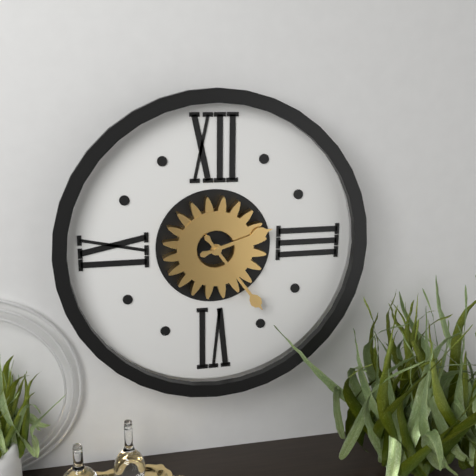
h=2 m=24
